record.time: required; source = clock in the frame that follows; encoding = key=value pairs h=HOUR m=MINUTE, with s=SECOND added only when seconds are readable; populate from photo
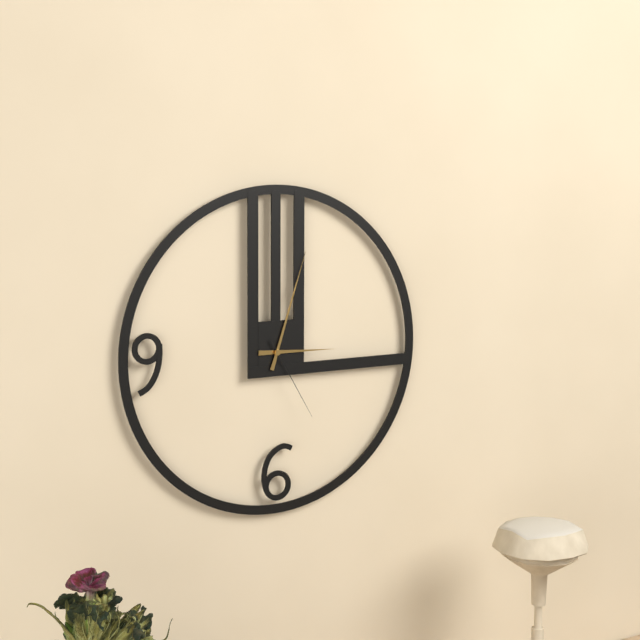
h=3 m=3 s=25
